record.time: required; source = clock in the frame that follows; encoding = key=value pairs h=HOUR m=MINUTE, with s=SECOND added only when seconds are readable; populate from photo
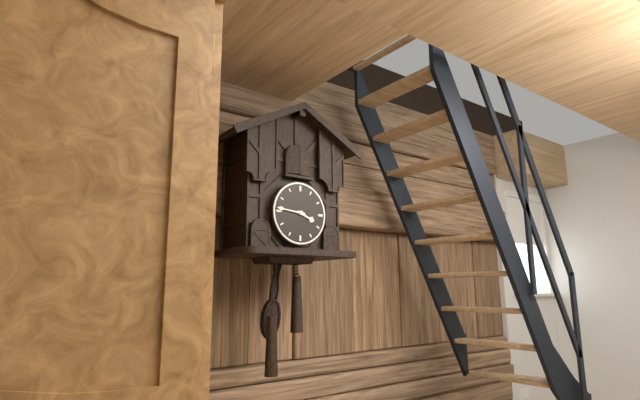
h=3 m=46
